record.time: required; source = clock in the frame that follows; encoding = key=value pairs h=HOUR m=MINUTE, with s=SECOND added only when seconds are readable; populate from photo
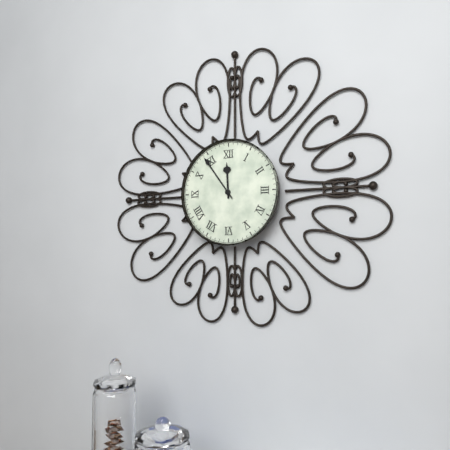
h=11 m=54
